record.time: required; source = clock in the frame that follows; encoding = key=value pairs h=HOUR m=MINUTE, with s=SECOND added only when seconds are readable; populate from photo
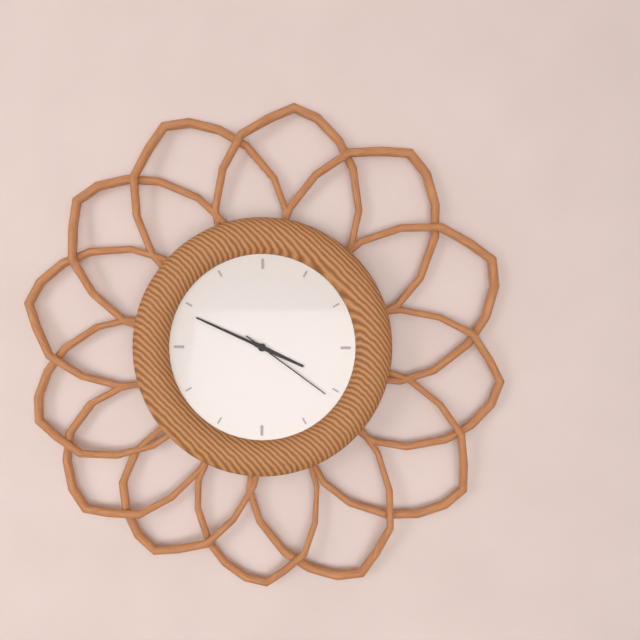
h=3 m=49 s=21
